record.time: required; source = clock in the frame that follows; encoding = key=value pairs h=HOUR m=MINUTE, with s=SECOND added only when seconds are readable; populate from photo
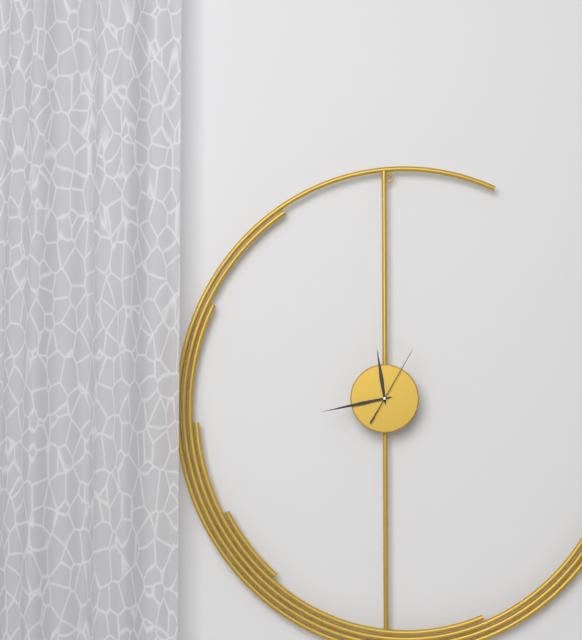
h=11 m=43 s=5
